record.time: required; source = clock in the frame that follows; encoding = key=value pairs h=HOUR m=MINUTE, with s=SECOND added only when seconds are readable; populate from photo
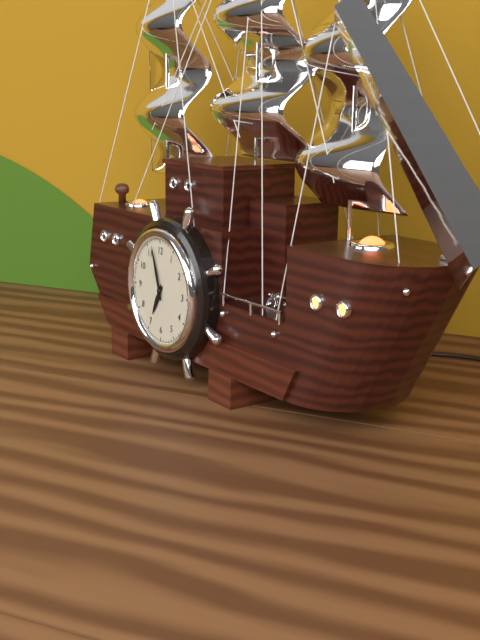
h=6 m=57
